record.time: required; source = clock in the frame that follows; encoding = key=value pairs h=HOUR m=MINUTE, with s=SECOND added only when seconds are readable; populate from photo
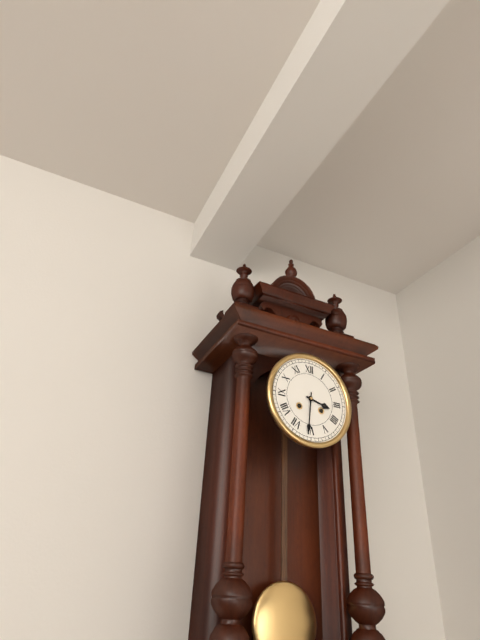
h=3 m=31
